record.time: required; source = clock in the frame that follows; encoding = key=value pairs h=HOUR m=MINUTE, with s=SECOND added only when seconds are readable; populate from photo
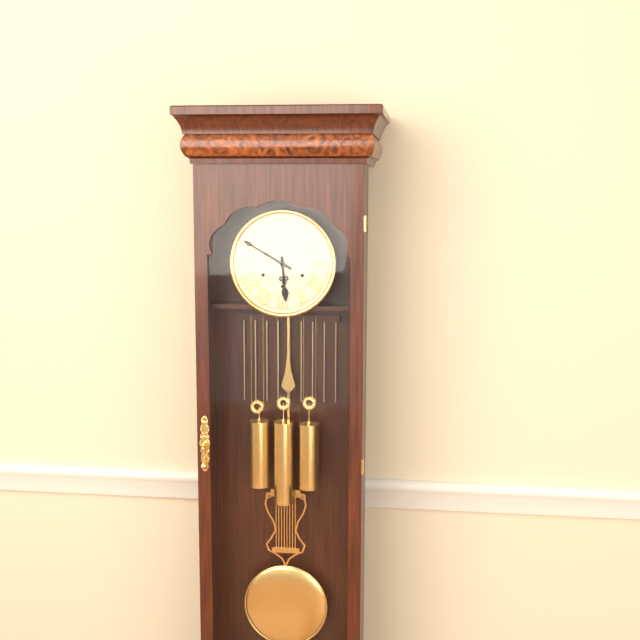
h=5 m=50
